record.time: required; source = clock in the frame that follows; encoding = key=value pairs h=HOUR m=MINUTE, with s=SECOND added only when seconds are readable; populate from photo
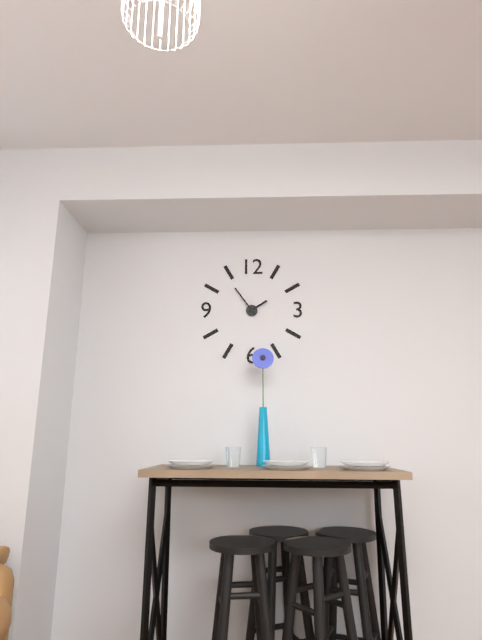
h=1 m=54
